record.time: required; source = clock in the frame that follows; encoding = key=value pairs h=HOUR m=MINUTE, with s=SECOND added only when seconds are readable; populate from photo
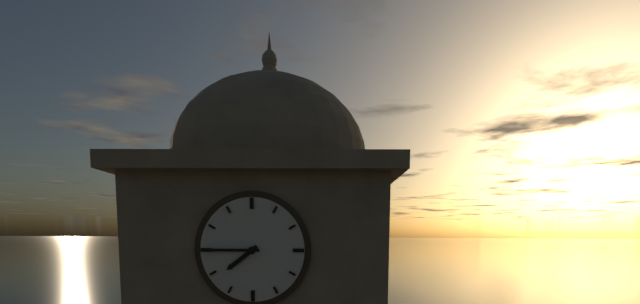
h=7 m=45
